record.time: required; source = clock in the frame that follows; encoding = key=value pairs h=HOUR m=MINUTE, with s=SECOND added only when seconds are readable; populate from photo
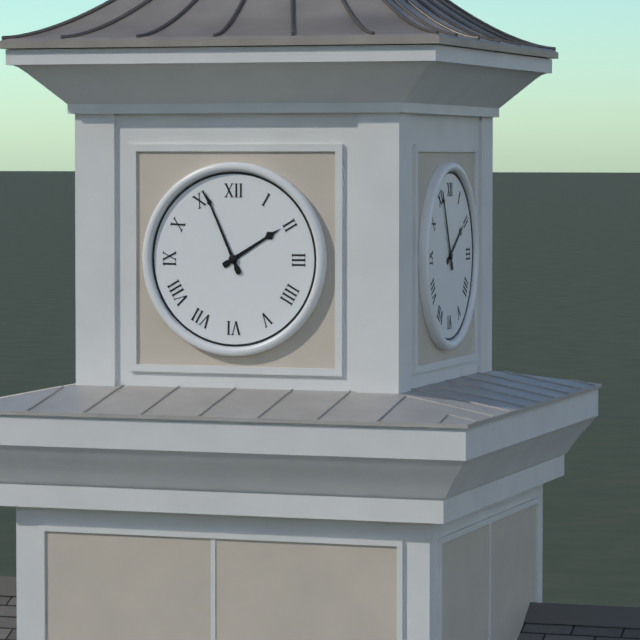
h=1 m=56
